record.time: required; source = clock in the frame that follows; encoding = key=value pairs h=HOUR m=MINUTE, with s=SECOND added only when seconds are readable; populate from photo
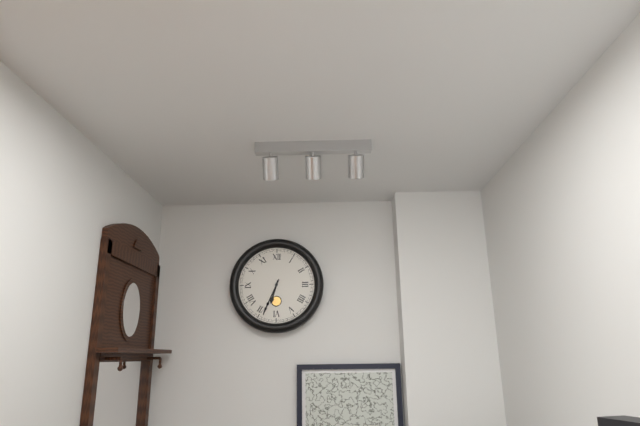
h=6 m=34
